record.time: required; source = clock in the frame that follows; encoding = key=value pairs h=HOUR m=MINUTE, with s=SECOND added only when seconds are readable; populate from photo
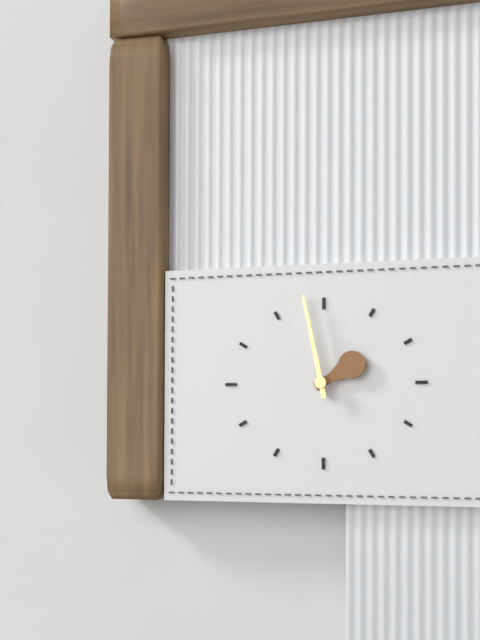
h=1 m=58
